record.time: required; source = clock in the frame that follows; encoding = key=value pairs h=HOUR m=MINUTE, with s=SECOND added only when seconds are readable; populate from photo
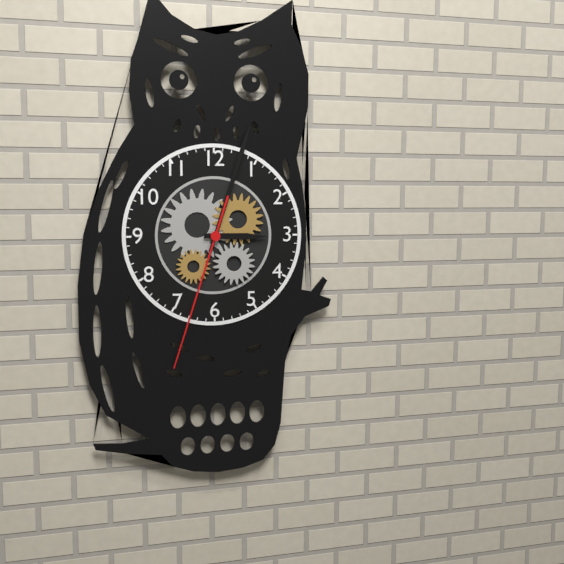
h=3 m=3 s=33
